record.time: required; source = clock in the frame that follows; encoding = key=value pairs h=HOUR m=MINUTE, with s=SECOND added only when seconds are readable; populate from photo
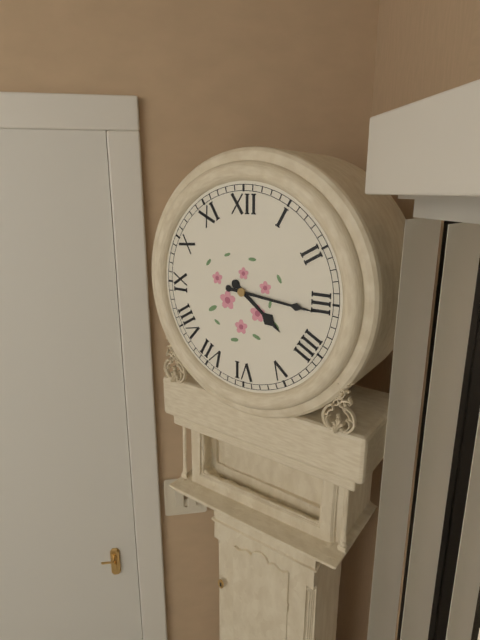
h=4 m=16
